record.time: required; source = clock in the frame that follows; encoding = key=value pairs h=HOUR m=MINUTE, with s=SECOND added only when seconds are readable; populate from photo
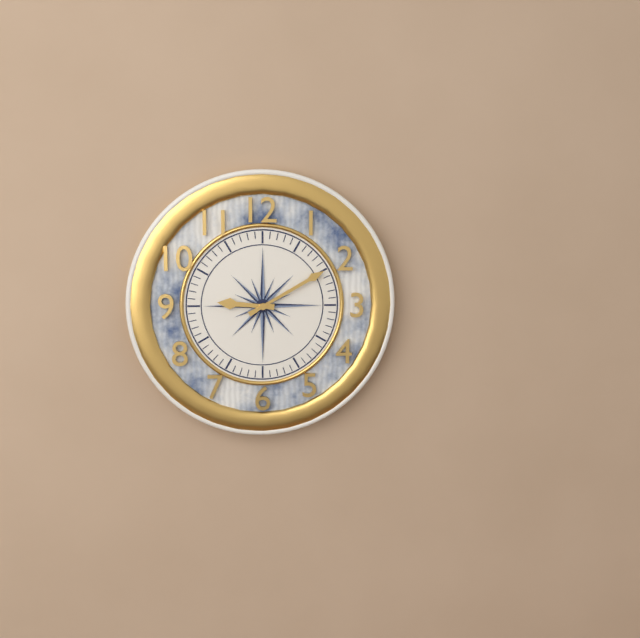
h=9 m=10
